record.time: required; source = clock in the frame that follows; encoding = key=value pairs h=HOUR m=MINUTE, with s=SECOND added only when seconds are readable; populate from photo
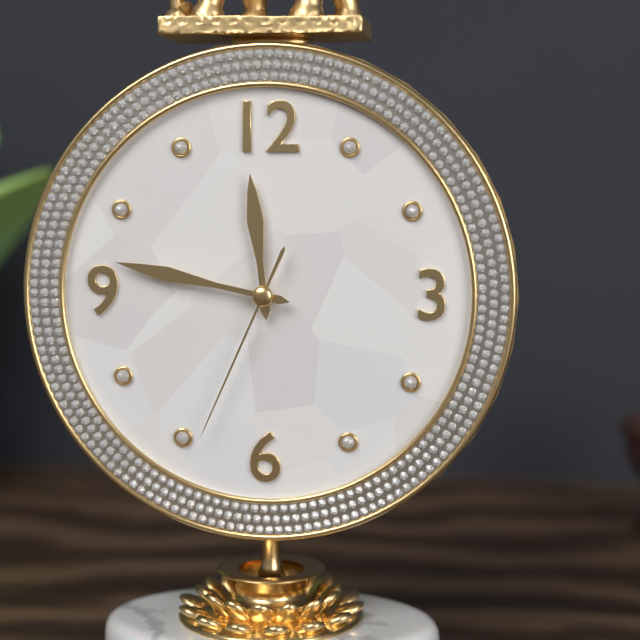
h=11 m=47 s=34
